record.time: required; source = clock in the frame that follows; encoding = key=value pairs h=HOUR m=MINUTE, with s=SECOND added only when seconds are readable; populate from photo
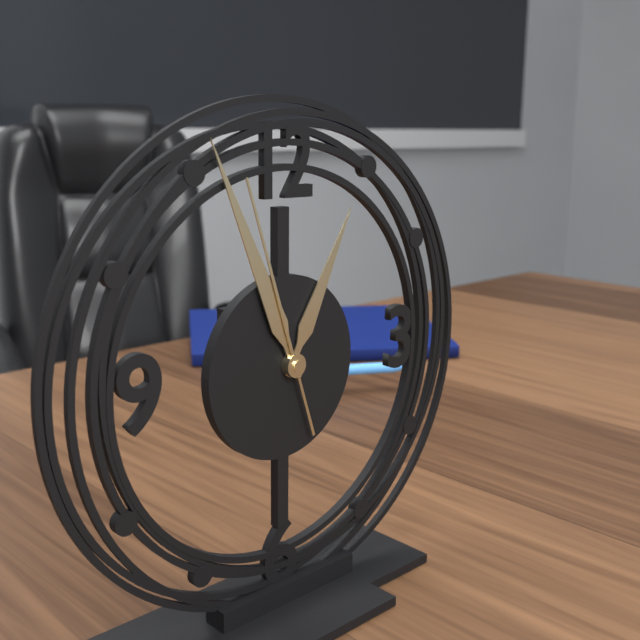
h=12 m=56 s=57
